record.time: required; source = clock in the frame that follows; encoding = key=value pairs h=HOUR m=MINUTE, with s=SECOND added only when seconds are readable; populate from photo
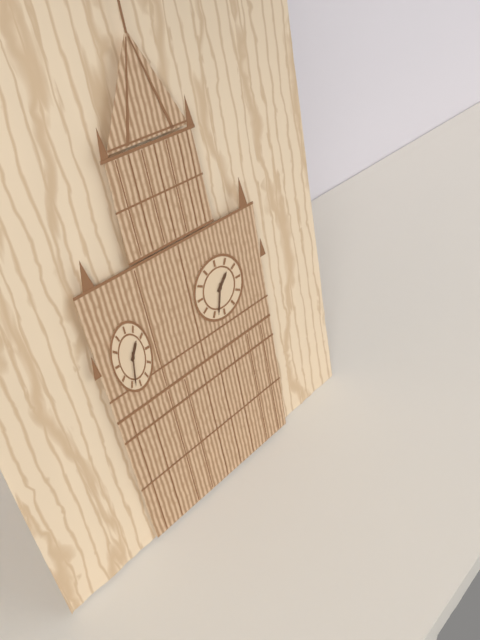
h=1 m=33
